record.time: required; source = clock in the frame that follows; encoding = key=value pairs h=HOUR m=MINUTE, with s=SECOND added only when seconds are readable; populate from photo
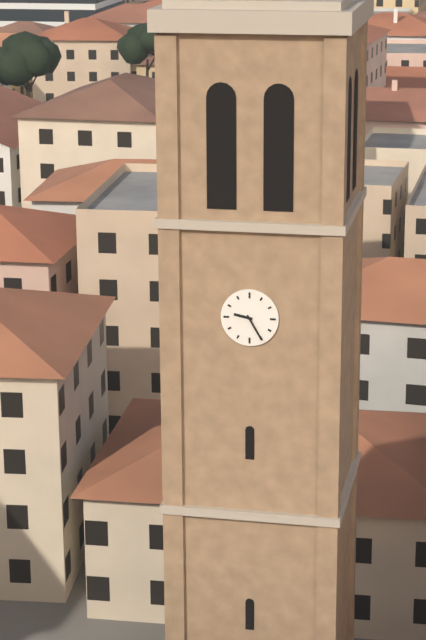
h=9 m=25
